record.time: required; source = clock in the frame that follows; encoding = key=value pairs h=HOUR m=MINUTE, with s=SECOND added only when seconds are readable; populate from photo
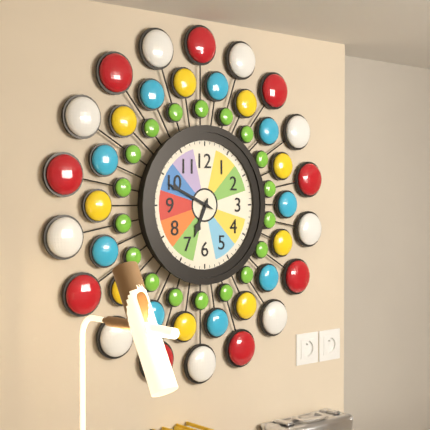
h=6 m=49
